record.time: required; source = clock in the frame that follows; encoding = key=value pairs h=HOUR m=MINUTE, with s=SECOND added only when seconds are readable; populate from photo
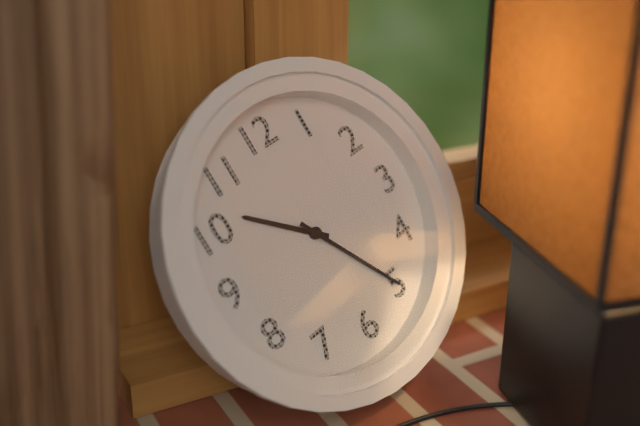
h=10 m=25
